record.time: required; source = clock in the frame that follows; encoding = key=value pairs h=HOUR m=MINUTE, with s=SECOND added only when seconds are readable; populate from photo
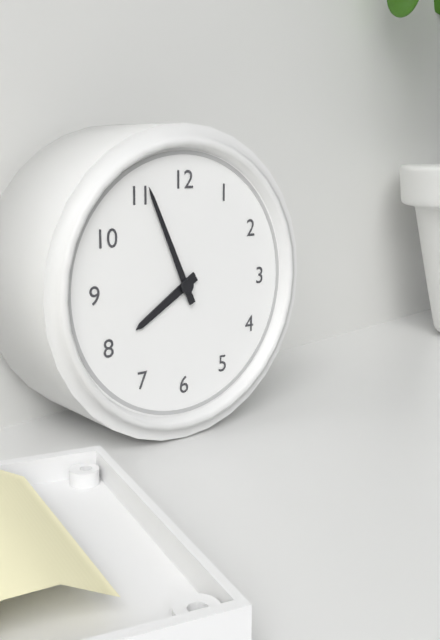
h=7 m=56
